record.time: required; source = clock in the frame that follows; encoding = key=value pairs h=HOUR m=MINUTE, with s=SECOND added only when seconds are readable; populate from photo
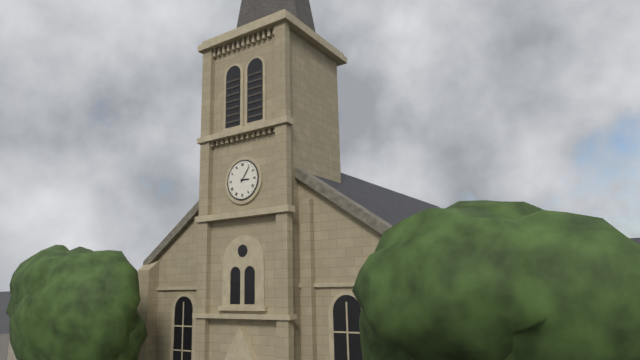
h=3 m=6
